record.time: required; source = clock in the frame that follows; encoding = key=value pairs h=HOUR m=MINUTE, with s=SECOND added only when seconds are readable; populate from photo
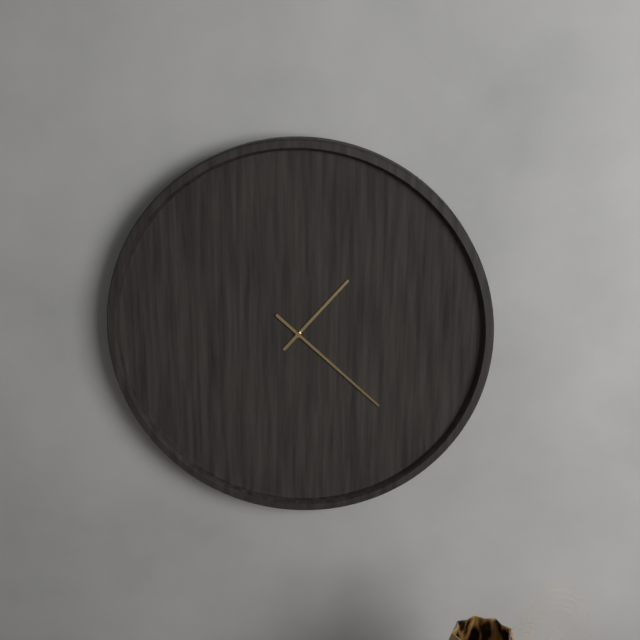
h=1 m=22
